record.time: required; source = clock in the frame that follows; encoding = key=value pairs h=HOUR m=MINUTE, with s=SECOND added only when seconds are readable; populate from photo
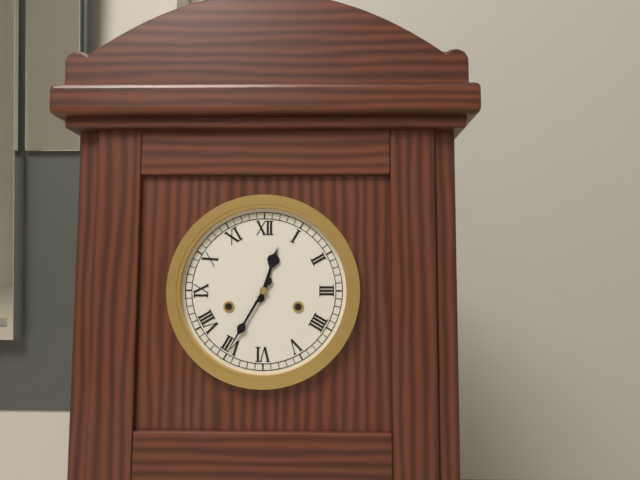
h=12 m=35
